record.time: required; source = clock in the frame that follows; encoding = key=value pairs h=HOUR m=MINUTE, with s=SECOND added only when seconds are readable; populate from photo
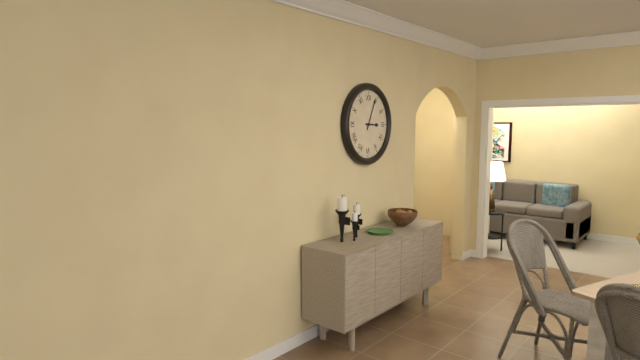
h=3 m=4
